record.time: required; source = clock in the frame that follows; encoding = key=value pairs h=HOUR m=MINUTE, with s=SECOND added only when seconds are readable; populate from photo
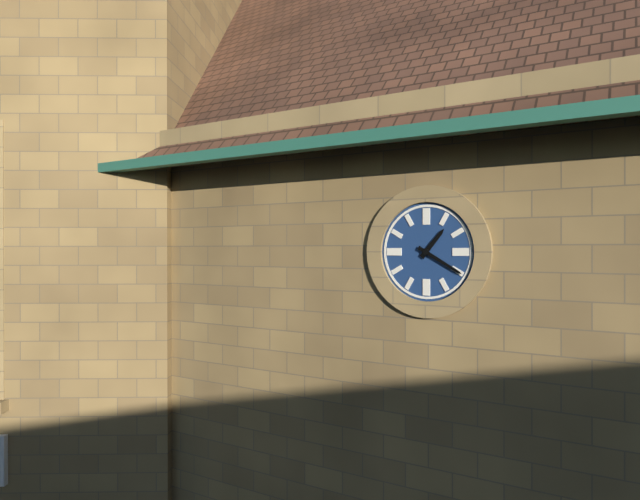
h=1 m=20
